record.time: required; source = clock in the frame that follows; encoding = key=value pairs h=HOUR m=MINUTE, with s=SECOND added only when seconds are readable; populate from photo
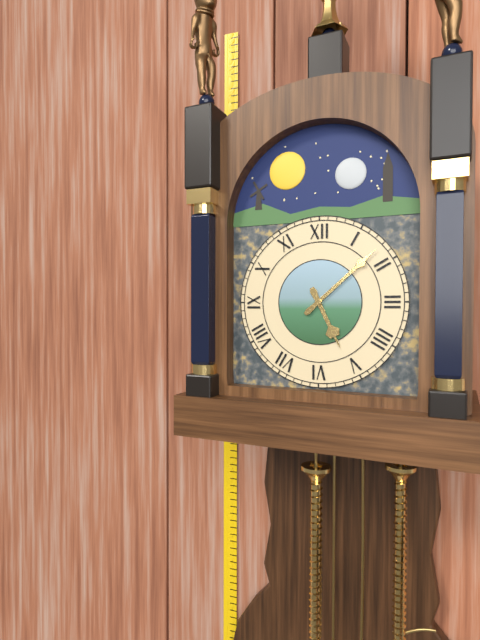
h=5 m=8
